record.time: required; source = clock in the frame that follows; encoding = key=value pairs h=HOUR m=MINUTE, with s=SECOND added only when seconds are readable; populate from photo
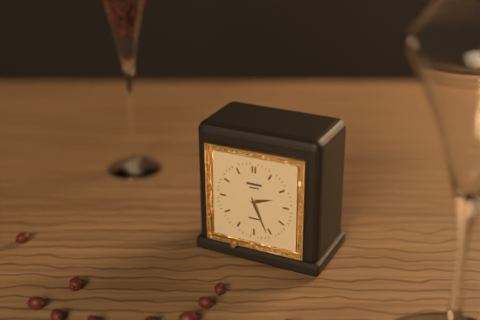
h=2 m=26
